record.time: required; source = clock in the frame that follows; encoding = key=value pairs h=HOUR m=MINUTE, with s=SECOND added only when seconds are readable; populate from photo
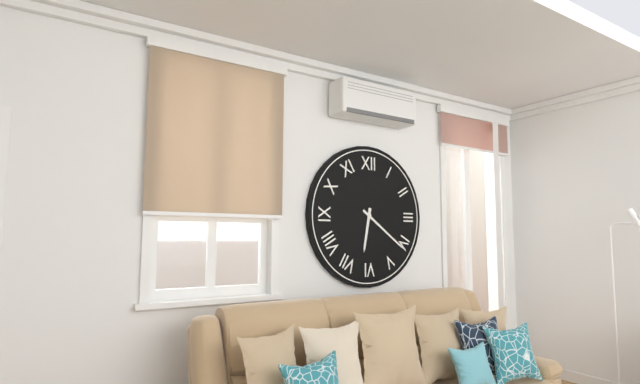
h=6 m=21
